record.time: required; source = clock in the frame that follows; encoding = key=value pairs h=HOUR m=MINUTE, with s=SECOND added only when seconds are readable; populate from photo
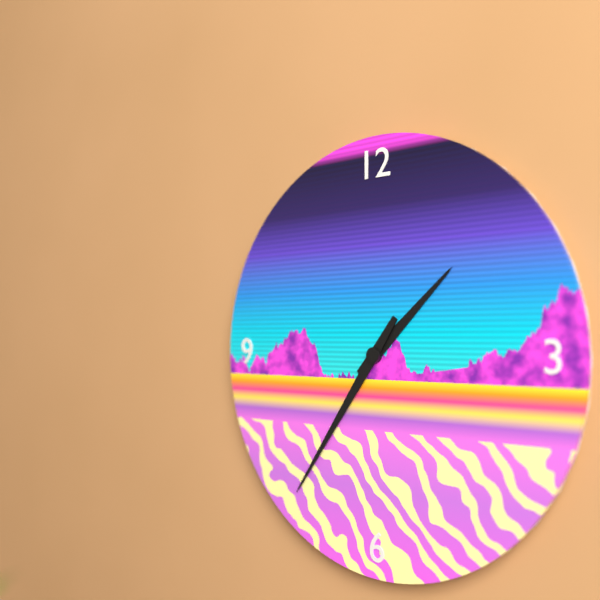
h=1 m=36
